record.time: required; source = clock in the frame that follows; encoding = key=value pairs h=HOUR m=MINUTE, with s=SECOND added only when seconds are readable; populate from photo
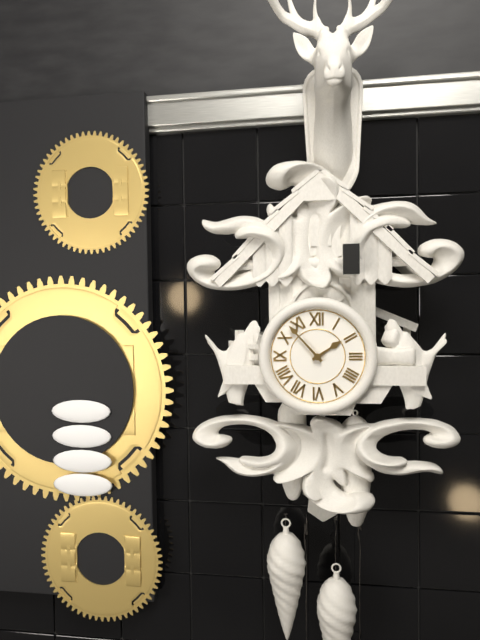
h=1 m=53
